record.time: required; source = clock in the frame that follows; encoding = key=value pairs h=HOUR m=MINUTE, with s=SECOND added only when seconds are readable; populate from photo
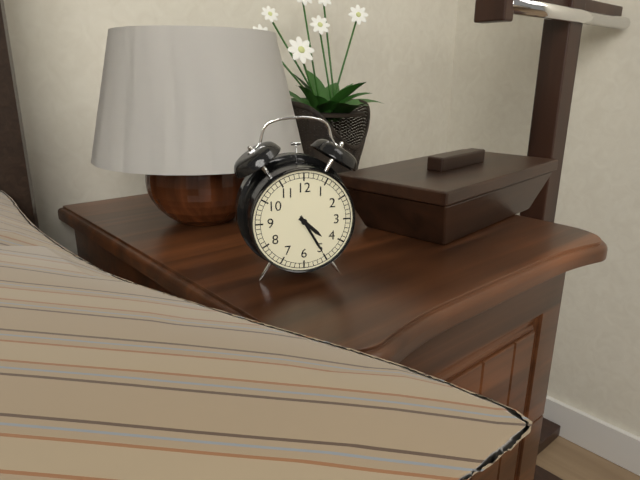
h=4 m=25
